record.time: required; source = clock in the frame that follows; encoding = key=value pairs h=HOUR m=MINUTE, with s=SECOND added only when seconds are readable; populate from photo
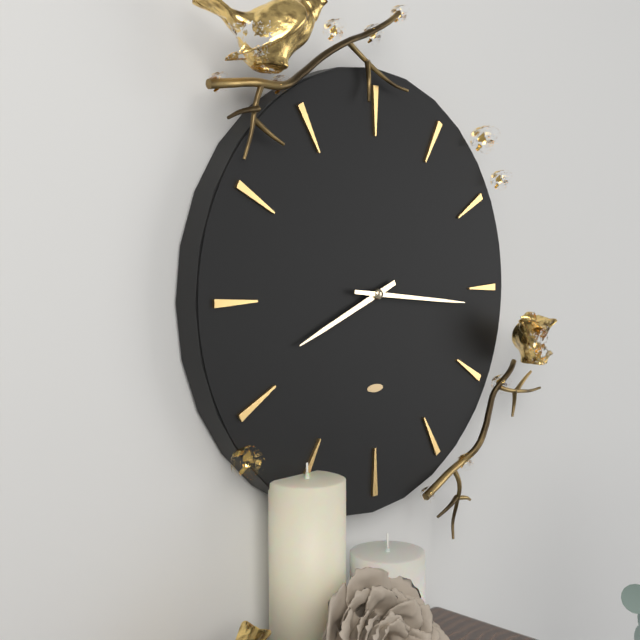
h=8 m=16
